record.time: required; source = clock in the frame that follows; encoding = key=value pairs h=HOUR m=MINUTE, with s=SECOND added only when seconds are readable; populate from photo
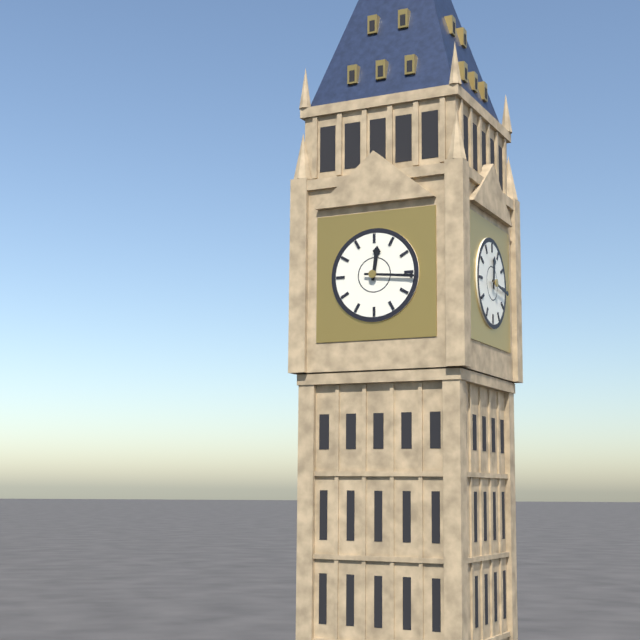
h=12 m=16
